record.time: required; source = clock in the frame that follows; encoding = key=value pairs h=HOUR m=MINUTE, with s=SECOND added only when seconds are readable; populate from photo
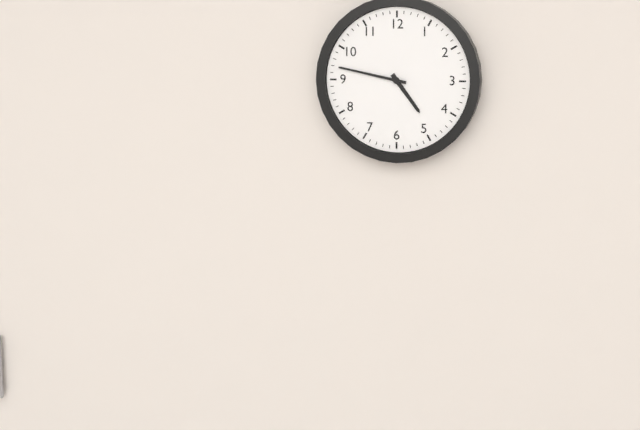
h=4 m=47
